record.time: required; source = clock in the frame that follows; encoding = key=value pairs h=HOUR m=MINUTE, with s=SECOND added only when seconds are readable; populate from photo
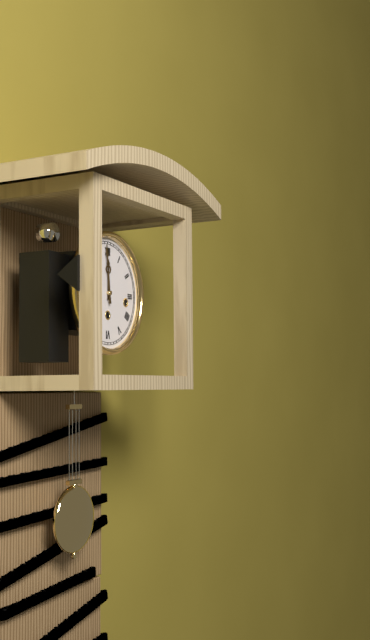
h=11 m=59
